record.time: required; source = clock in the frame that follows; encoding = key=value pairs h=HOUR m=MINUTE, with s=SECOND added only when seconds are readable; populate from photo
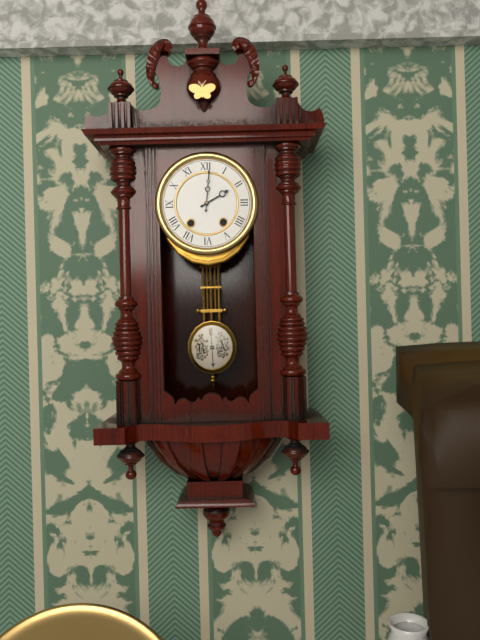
h=2 m=1
